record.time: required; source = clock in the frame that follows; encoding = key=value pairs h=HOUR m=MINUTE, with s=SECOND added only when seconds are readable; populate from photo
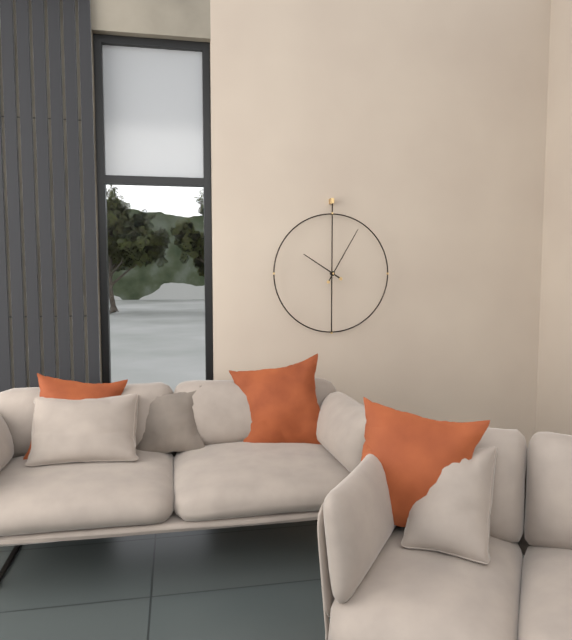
h=10 m=5
